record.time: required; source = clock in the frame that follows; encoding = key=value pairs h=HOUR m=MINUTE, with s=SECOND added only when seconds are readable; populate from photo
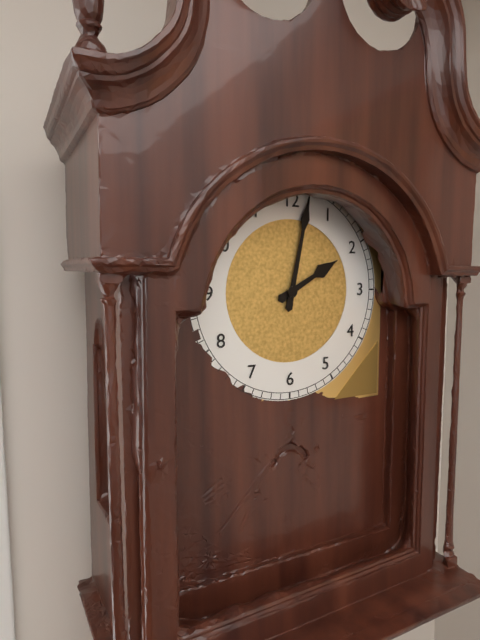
h=2 m=2
